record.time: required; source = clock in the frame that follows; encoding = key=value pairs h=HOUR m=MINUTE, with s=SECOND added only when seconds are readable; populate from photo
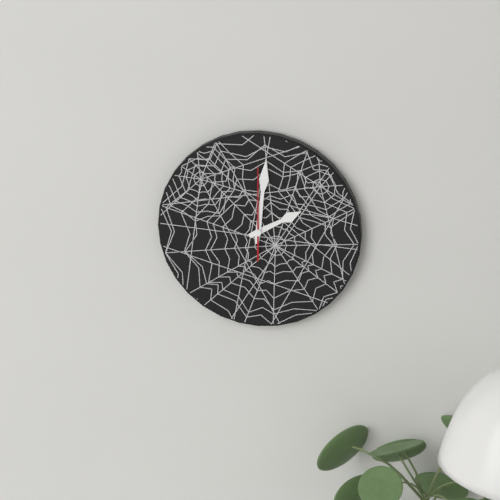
h=2 m=1 s=0
